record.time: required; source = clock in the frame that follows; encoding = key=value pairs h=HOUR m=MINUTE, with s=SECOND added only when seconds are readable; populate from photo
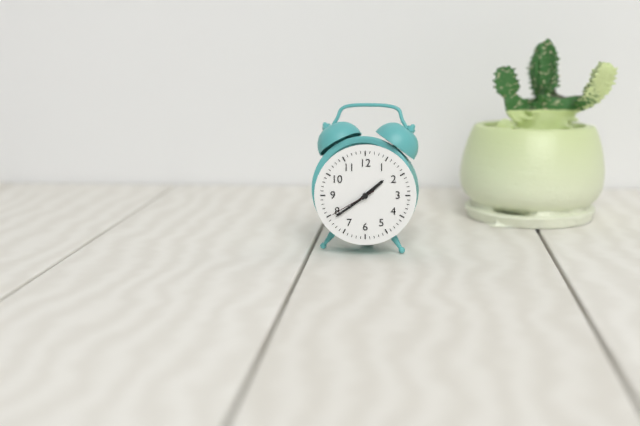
h=1 m=39 s=40
